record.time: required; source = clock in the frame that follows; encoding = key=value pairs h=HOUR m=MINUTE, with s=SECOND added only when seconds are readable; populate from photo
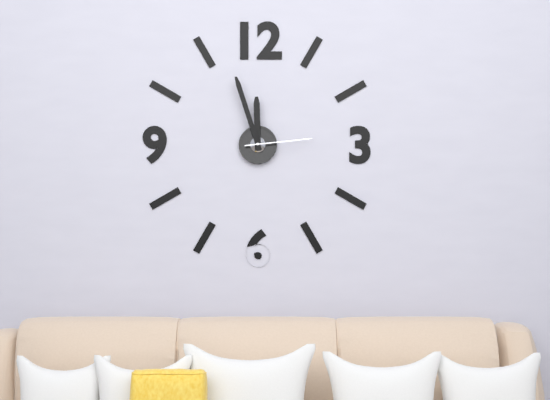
h=11 m=57 s=14
